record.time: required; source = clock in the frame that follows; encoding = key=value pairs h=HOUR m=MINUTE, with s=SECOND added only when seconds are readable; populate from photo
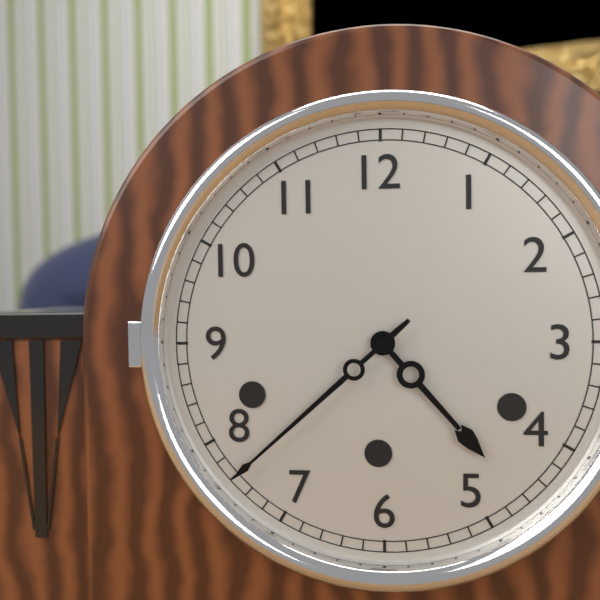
h=4 m=38
